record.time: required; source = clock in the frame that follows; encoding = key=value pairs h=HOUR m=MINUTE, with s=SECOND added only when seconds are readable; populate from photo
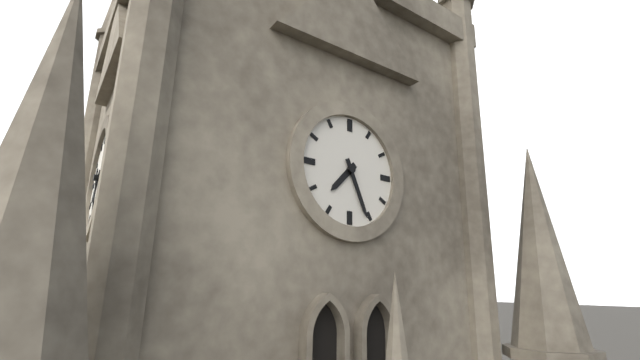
h=7 m=26
